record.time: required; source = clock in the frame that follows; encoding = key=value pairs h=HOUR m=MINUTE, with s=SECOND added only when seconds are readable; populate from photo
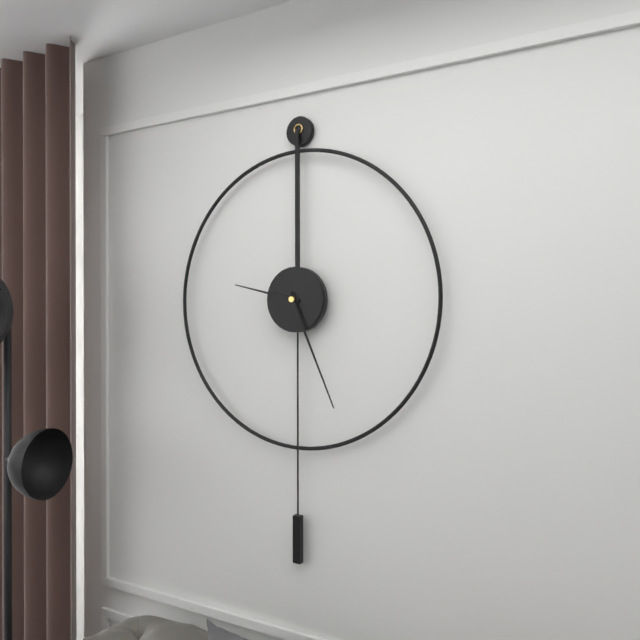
h=9 m=26
